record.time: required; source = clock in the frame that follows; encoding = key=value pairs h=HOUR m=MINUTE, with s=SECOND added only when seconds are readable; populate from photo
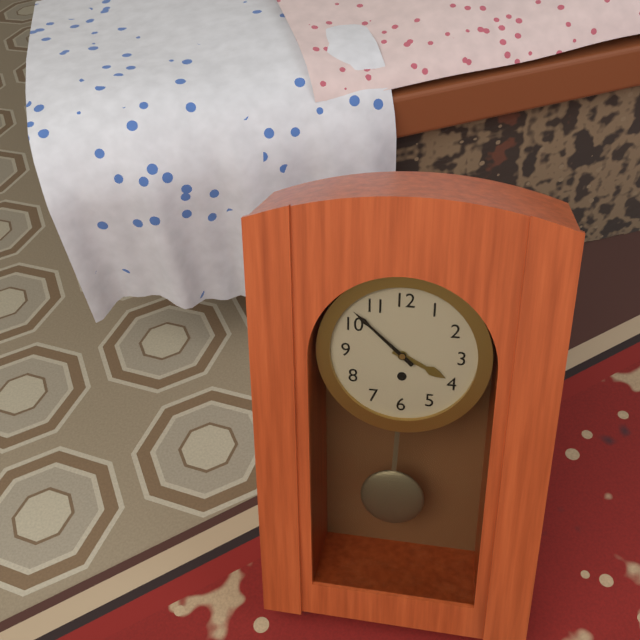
h=3 m=52
